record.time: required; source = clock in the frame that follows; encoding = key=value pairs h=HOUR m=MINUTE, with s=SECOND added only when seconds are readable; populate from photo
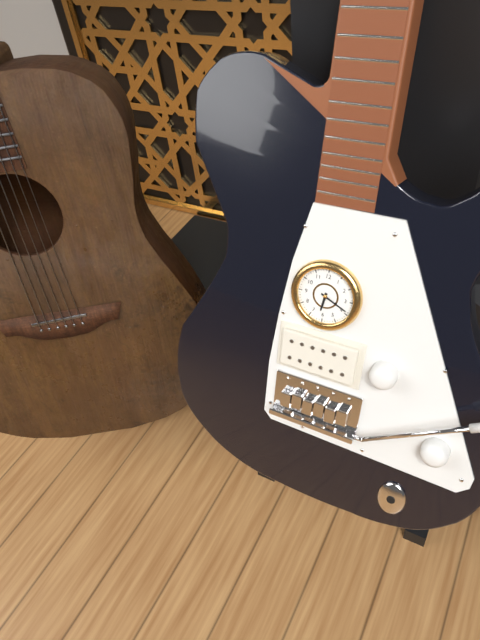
h=6 m=19
